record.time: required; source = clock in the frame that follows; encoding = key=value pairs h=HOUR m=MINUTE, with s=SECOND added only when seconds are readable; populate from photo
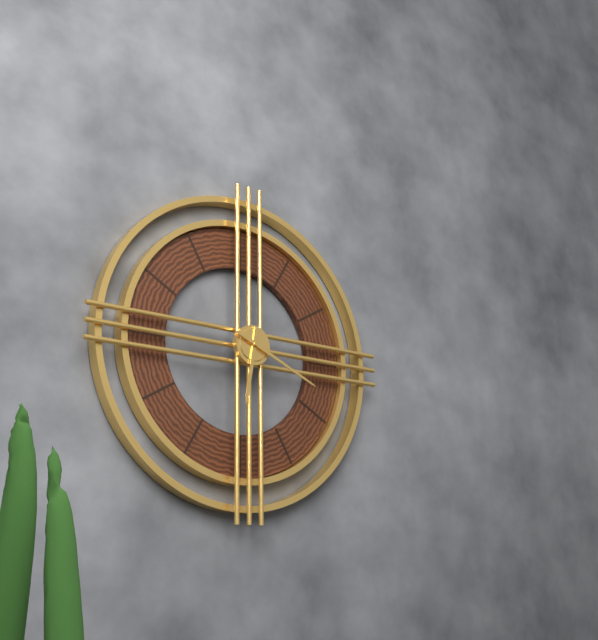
h=6 m=19
